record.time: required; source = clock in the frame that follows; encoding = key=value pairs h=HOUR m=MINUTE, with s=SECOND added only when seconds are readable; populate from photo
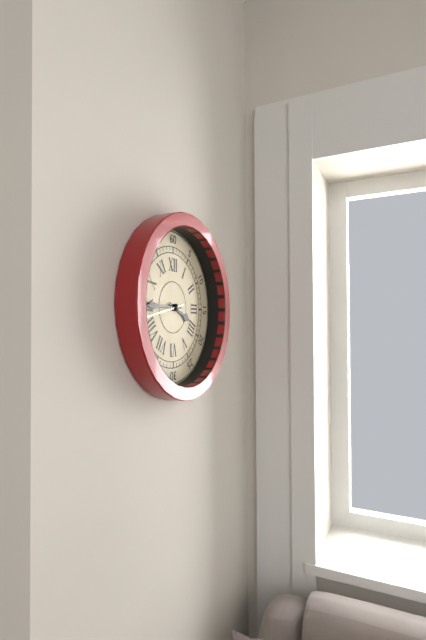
h=3 m=45
